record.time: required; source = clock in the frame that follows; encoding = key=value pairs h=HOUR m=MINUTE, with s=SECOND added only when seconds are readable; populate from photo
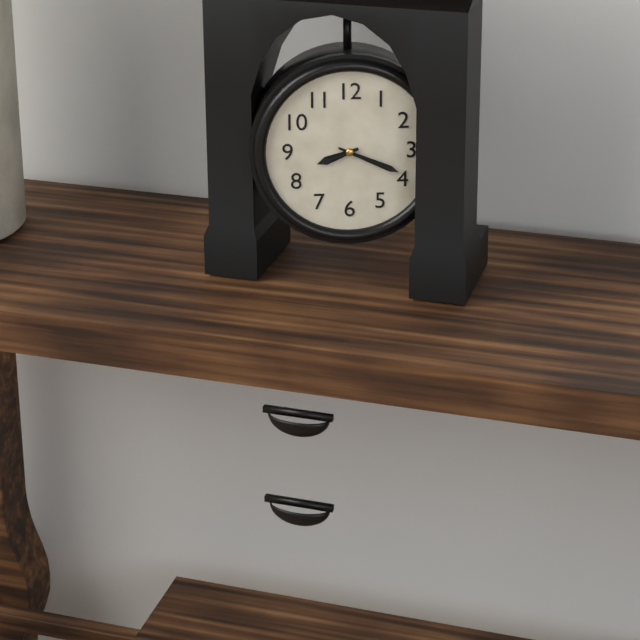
h=8 m=19
